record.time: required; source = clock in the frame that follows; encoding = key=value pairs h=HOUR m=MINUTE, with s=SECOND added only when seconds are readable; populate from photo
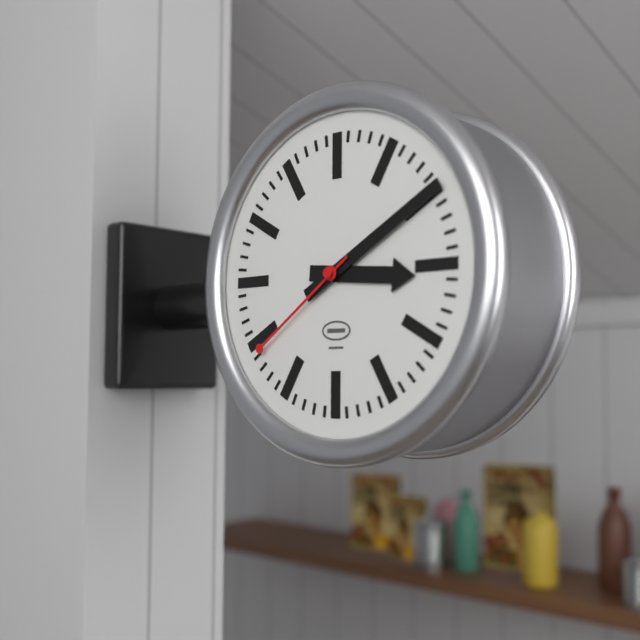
h=3 m=10 s=39
